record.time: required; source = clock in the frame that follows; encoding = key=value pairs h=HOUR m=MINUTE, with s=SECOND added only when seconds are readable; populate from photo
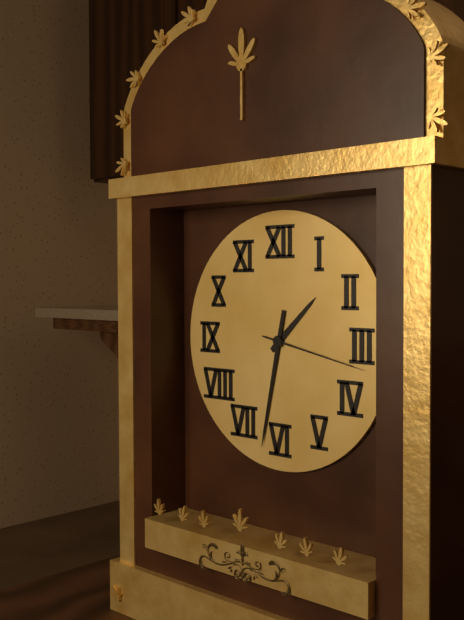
h=1 m=32 s=17
